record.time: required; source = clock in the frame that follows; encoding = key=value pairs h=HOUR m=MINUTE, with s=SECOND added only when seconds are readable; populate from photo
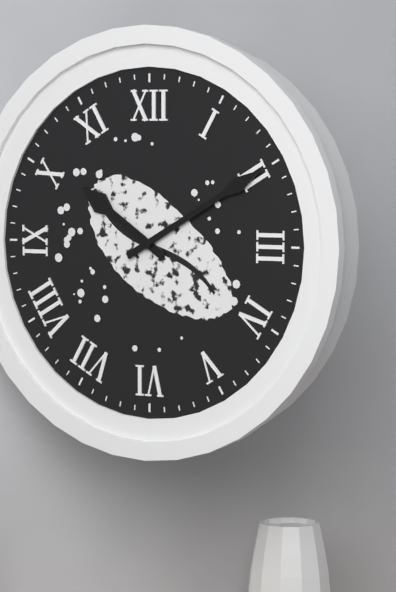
h=10 m=10
